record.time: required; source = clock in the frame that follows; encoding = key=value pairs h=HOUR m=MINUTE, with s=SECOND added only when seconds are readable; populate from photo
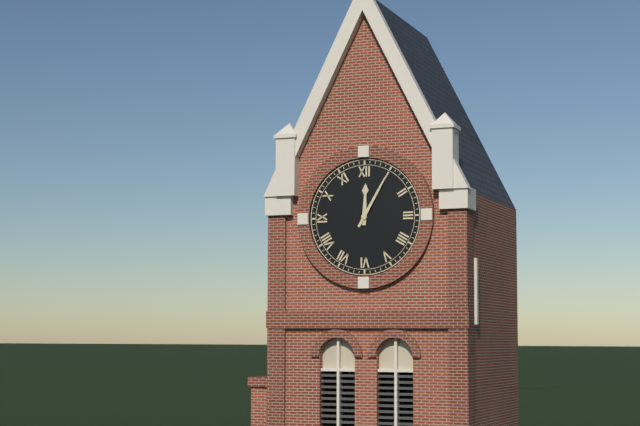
h=12 m=5
